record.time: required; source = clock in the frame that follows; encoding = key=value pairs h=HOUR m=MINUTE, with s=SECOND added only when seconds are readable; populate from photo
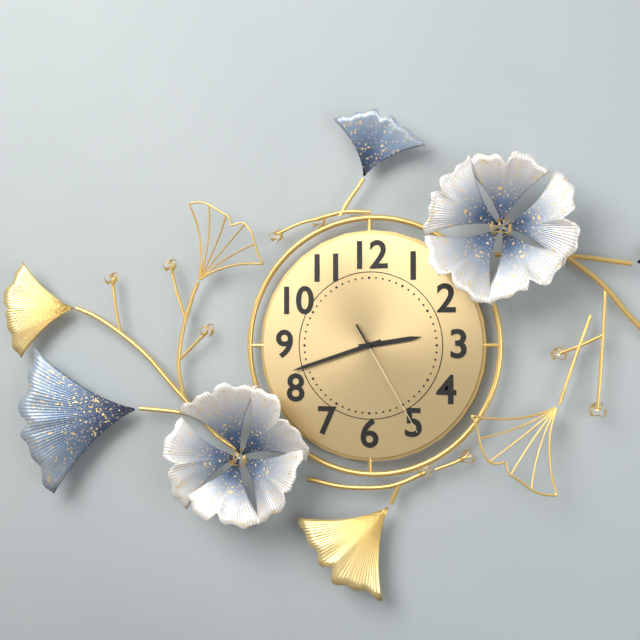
h=2 m=42 s=25
